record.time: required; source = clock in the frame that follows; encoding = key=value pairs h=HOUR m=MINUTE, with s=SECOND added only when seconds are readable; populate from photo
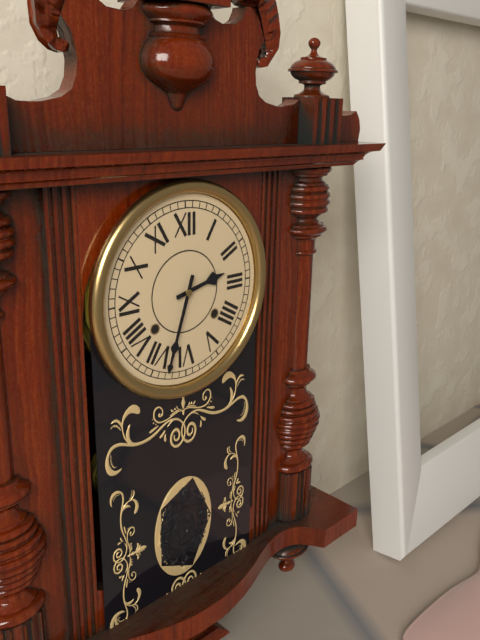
h=2 m=33
